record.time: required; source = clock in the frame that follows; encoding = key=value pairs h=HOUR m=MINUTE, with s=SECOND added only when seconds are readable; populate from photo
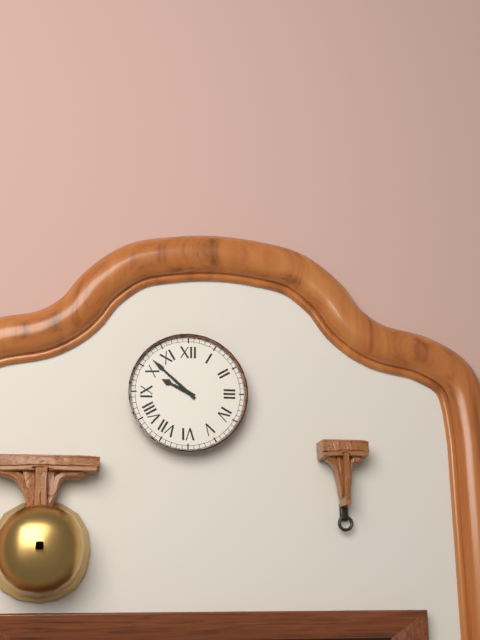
h=9 m=52
